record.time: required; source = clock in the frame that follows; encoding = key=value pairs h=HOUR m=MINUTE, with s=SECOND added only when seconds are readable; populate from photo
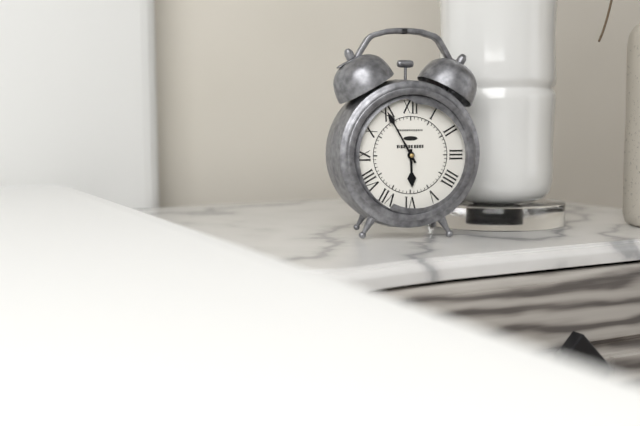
h=5 m=55
